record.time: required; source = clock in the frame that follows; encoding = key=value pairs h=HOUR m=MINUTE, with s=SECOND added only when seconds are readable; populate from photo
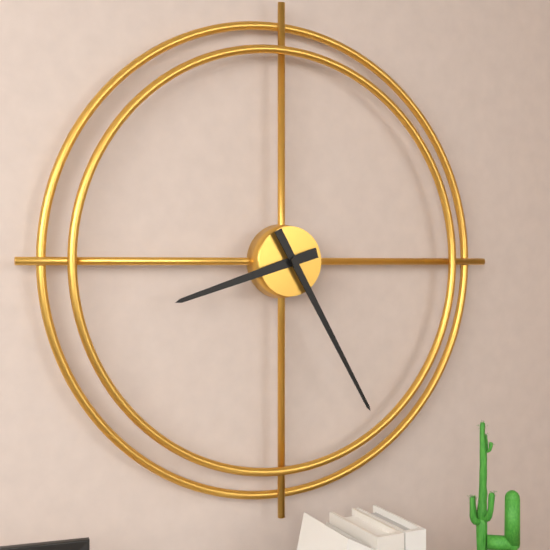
h=8 m=25
